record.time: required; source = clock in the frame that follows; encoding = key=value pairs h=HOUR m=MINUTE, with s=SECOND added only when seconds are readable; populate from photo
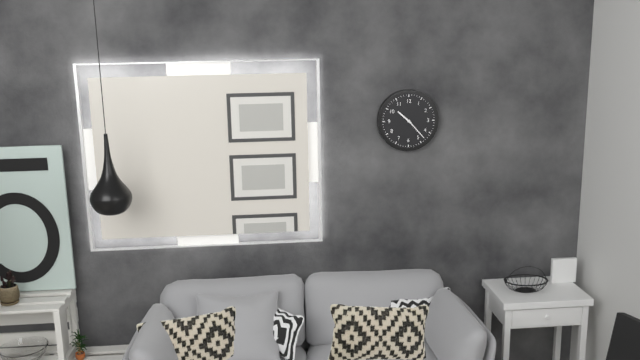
h=10 m=23
